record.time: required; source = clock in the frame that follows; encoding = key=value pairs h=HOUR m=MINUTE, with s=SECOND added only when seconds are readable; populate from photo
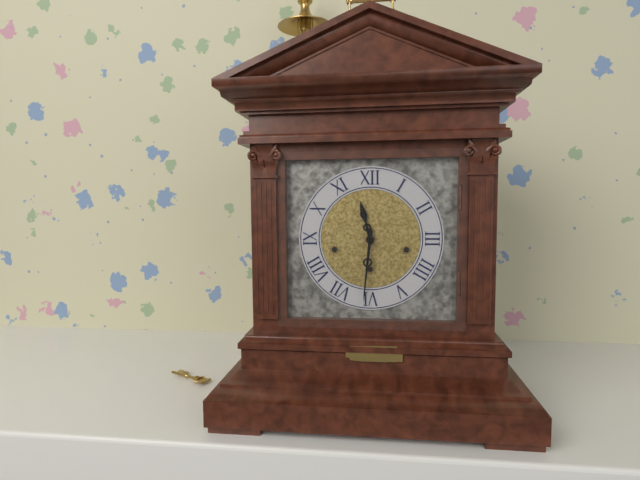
h=11 m=31
